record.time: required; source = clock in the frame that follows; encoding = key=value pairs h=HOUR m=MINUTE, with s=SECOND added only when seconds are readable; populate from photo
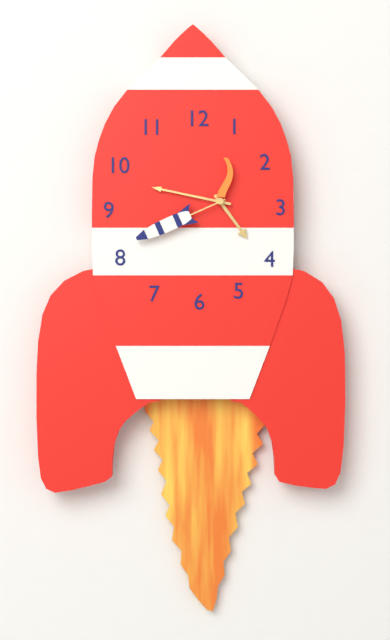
h=4 m=47 s=41
